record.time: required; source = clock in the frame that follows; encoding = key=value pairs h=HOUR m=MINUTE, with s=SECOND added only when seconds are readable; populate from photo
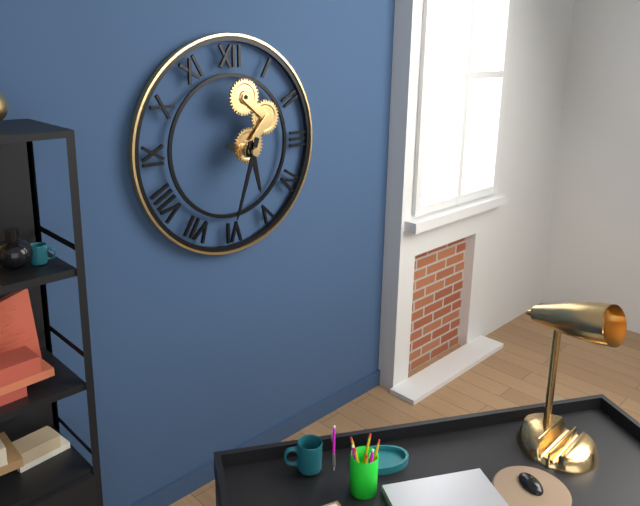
h=5 m=33
